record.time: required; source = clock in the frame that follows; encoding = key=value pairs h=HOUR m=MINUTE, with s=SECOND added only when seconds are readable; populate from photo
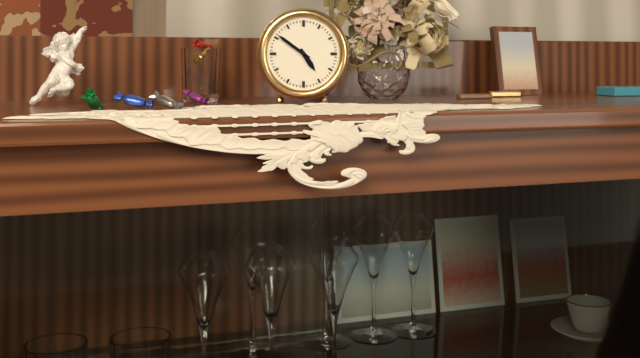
h=4 m=51
